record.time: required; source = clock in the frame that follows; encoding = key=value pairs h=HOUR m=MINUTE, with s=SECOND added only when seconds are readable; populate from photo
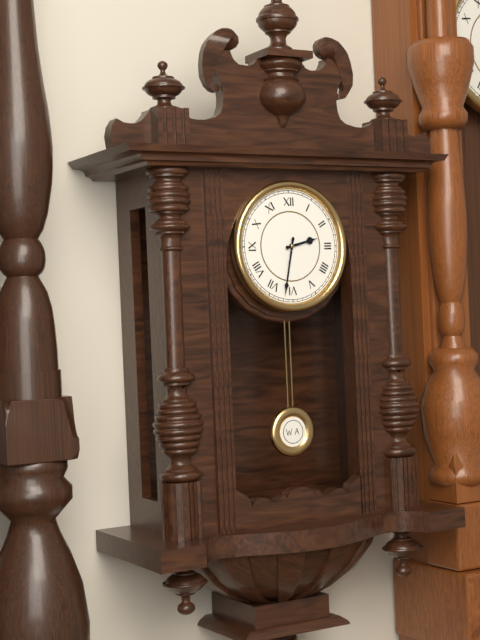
h=2 m=32
